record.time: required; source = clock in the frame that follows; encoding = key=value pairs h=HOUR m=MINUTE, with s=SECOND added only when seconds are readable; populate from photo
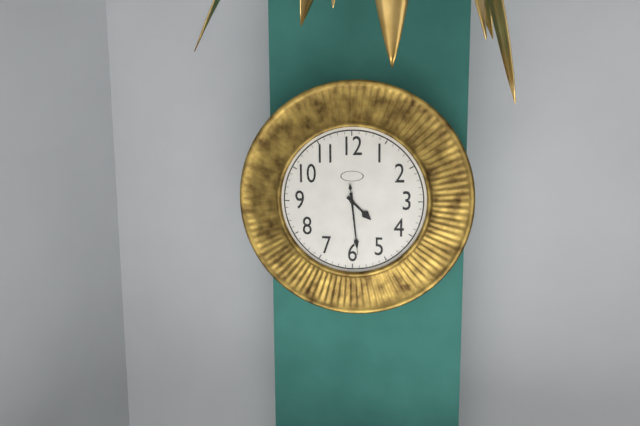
h=4 m=29 s=29
